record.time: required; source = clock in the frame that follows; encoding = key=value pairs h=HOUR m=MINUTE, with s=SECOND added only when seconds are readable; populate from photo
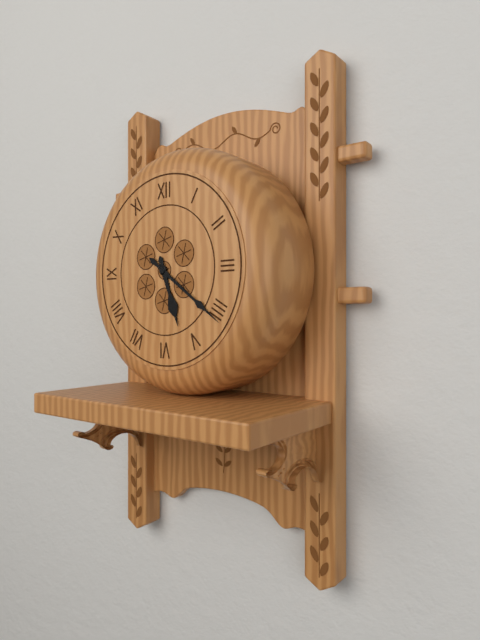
h=5 m=21
